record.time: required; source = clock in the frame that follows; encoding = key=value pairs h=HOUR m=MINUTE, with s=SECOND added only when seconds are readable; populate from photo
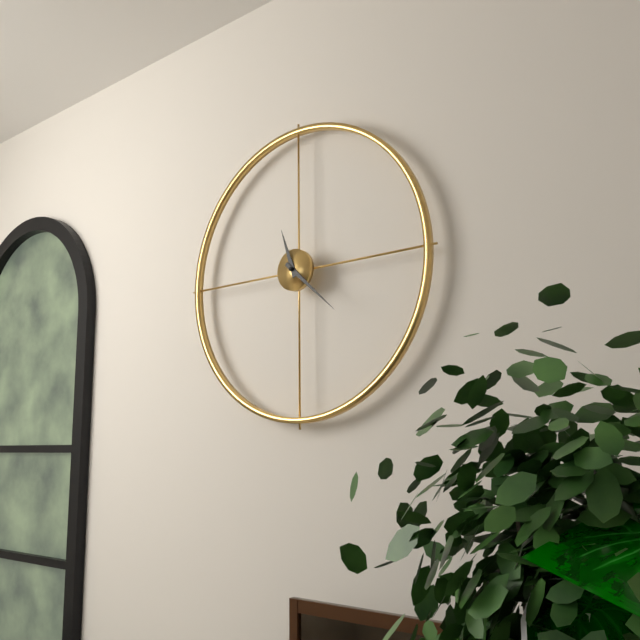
h=11 m=22
